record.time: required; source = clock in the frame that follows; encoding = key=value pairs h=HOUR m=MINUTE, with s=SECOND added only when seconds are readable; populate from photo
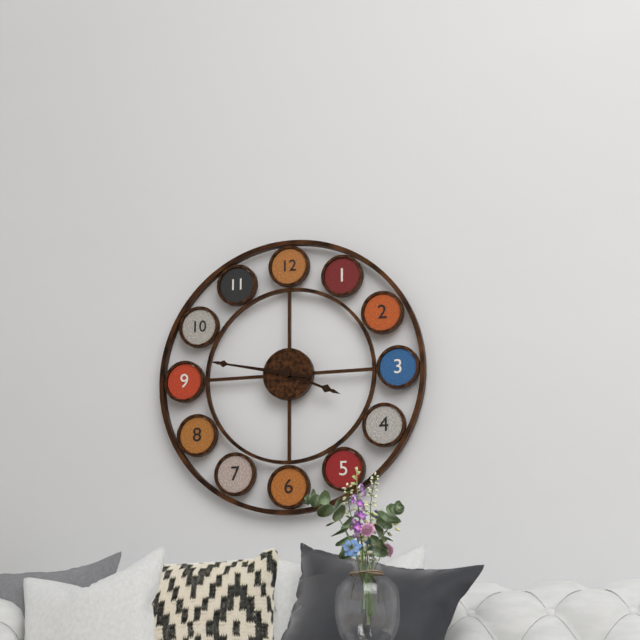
h=3 m=47
